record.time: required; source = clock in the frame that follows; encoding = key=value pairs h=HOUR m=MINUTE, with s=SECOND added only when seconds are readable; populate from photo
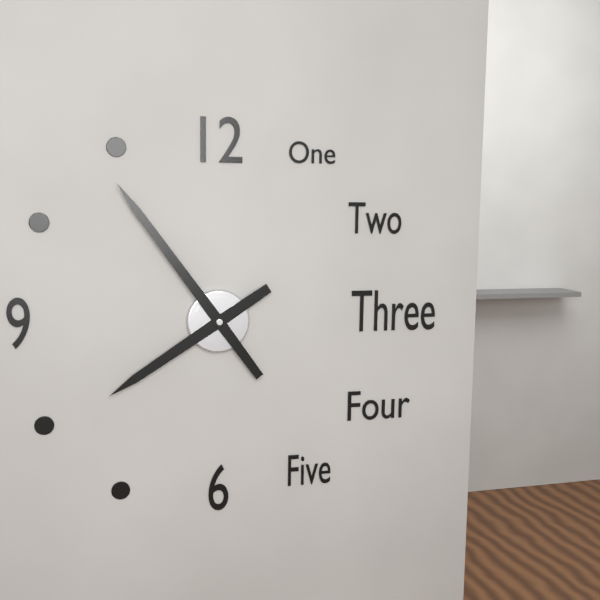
h=7 m=54
